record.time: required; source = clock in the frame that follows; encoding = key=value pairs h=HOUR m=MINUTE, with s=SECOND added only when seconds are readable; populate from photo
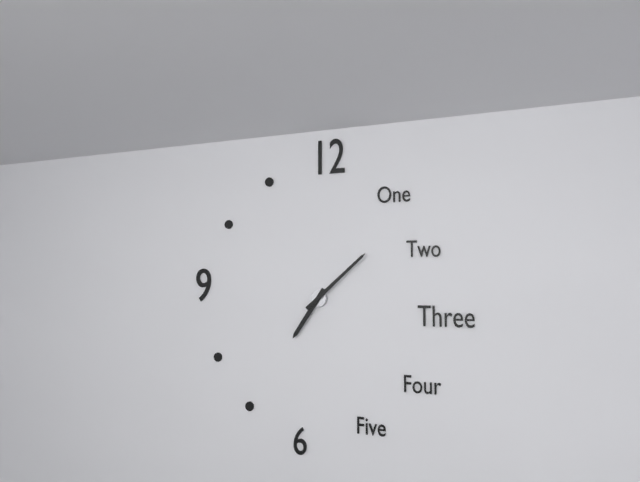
h=7 m=8
